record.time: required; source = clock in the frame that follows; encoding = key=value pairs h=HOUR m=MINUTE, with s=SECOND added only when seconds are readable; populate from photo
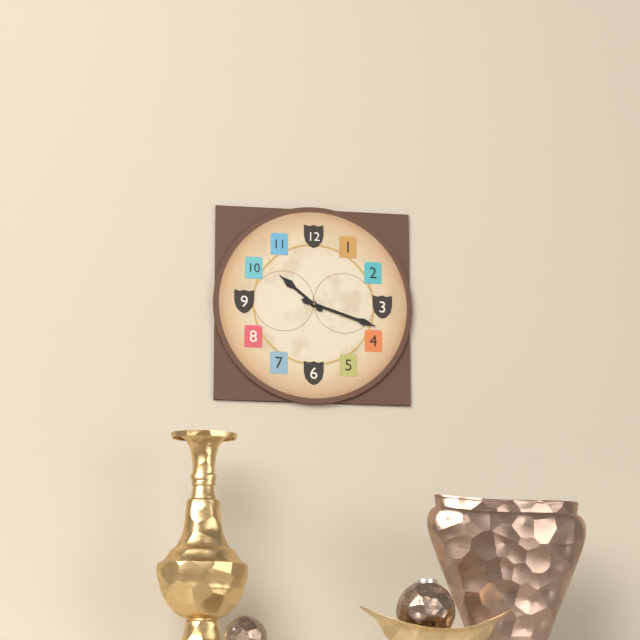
h=10 m=18
